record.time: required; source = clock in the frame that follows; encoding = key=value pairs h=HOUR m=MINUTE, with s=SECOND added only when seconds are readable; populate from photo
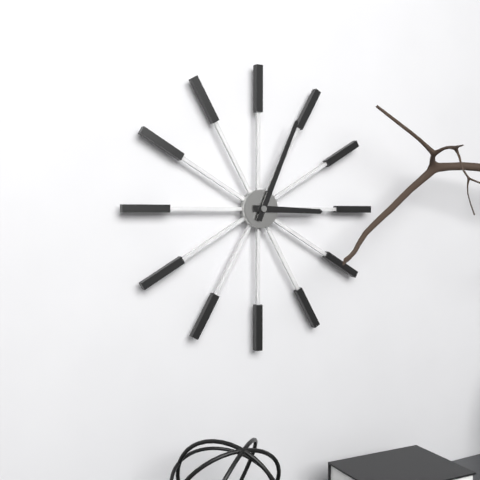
h=3 m=4
